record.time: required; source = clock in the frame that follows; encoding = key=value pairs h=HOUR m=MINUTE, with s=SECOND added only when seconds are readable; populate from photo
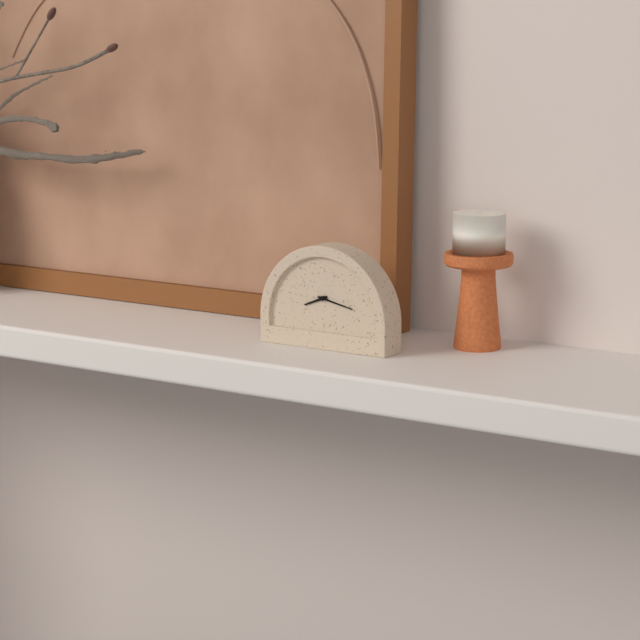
h=8 m=17
